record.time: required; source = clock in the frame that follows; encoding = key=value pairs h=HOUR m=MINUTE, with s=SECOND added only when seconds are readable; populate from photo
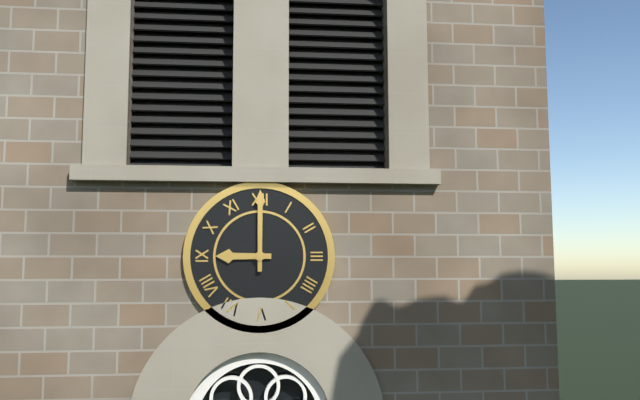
h=9 m=0
